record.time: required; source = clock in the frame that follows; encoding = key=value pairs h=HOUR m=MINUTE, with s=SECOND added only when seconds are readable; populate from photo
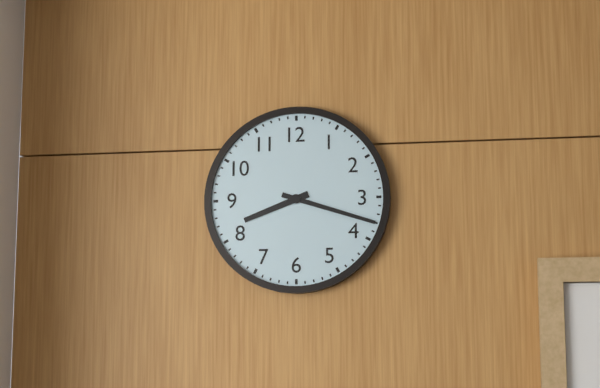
h=8 m=18
